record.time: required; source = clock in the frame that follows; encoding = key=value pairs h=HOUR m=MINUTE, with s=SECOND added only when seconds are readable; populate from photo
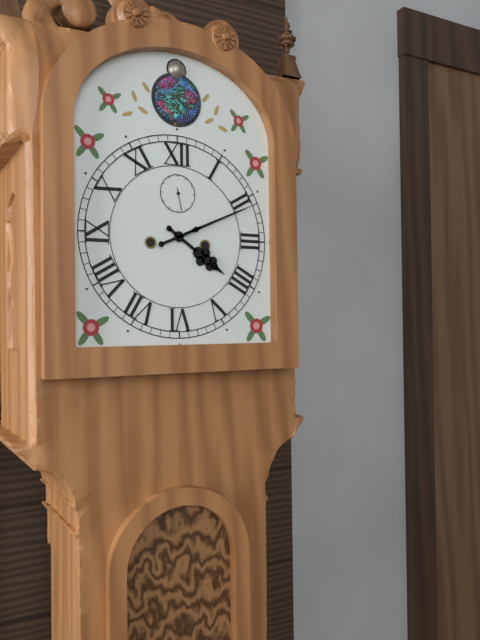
h=4 m=11
